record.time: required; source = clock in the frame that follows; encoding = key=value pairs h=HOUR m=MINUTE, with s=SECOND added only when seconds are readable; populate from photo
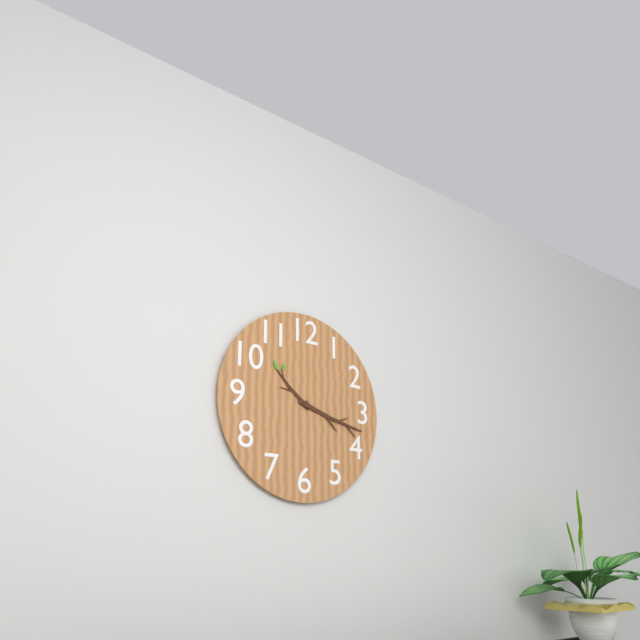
h=10 m=18
